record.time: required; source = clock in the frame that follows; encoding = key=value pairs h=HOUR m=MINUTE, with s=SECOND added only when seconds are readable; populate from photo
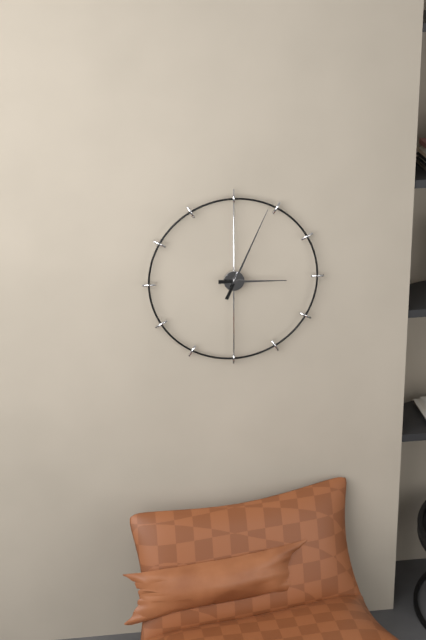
h=3 m=4
